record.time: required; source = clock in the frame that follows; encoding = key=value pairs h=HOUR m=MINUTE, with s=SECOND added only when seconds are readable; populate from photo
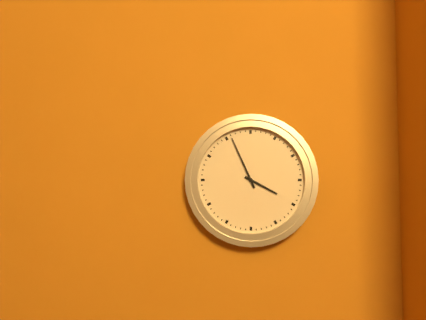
h=3 m=56
